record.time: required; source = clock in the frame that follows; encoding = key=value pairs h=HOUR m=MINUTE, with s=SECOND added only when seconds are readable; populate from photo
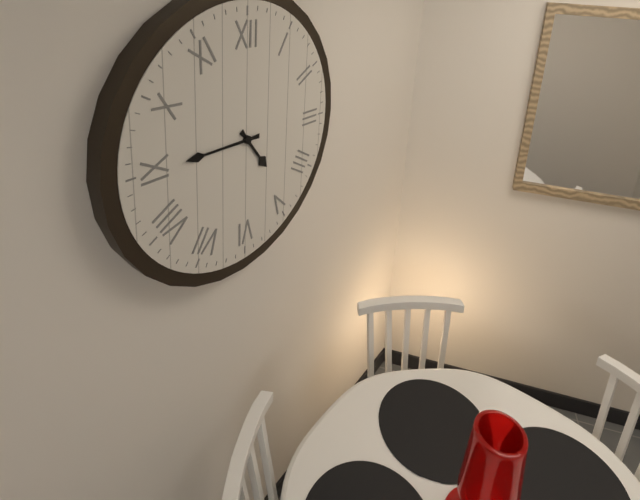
h=4 m=45
